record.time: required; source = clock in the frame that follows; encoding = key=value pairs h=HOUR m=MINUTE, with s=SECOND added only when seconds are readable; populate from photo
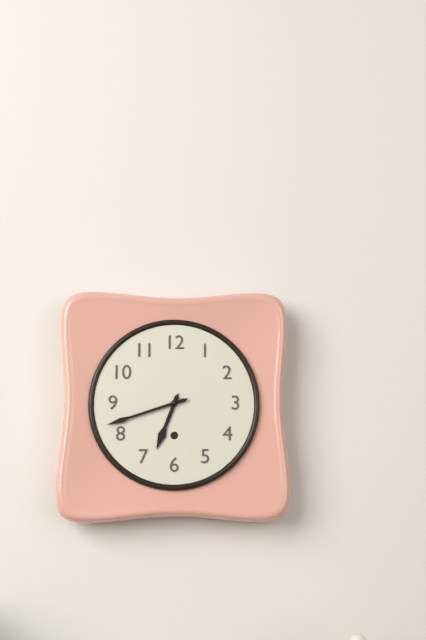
h=6 m=42
